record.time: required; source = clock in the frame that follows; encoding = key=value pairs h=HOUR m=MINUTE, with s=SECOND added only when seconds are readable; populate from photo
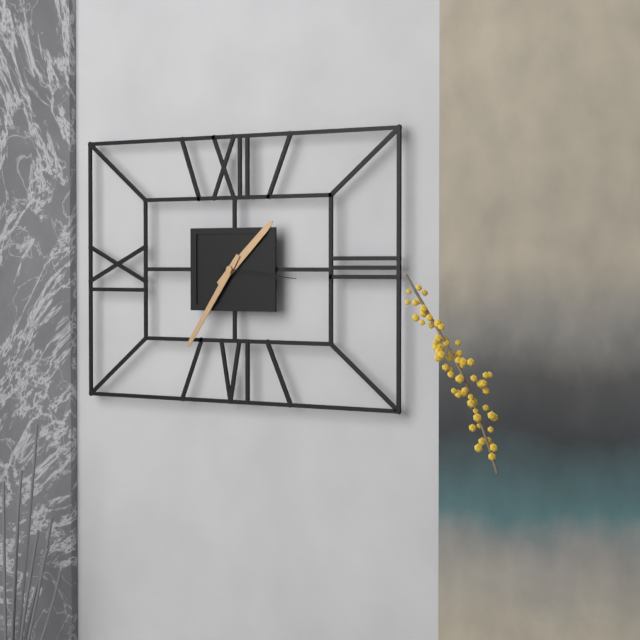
h=1 m=36 s=16
